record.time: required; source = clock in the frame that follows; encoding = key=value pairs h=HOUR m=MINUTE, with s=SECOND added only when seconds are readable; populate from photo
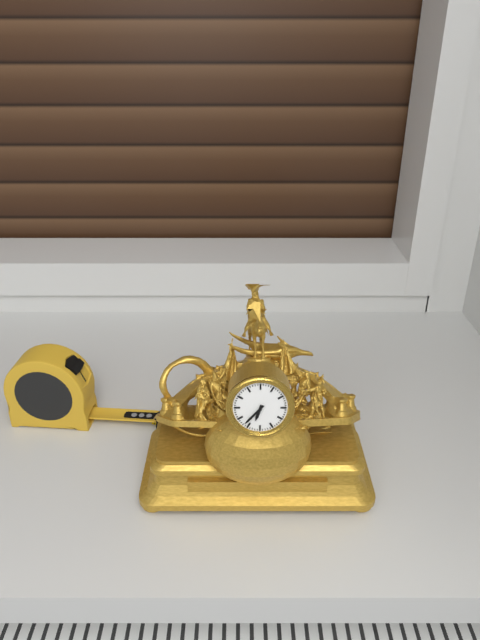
h=6 m=37
